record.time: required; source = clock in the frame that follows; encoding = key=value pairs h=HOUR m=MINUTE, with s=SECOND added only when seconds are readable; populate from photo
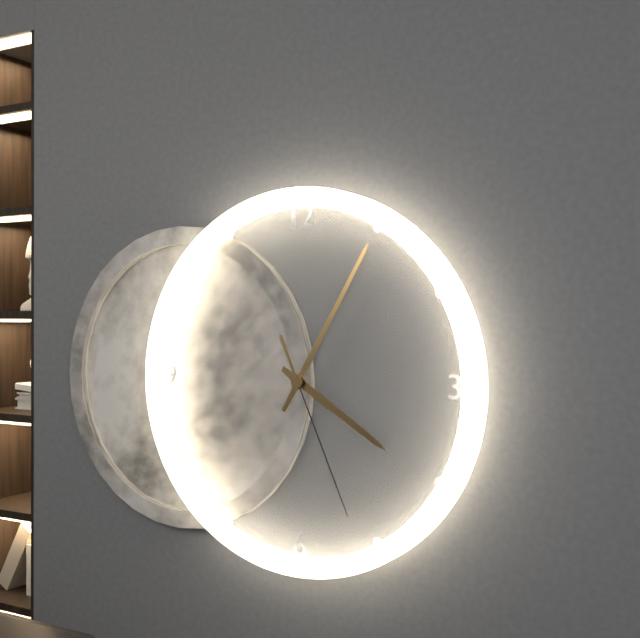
h=4 m=5 s=26
